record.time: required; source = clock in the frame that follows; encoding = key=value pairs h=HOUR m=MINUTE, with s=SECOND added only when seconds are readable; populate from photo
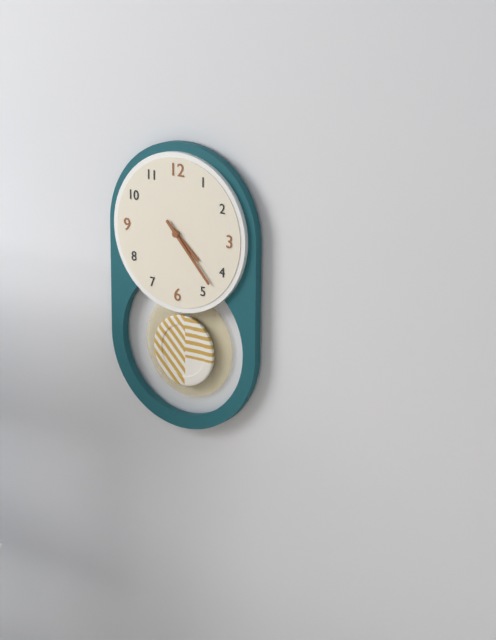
h=4 m=23
